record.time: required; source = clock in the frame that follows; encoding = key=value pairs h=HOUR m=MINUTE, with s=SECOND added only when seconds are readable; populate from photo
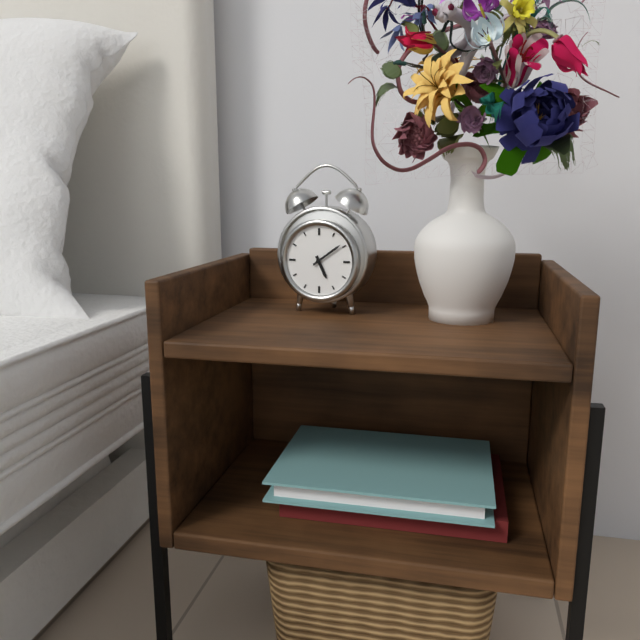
h=5 m=9
